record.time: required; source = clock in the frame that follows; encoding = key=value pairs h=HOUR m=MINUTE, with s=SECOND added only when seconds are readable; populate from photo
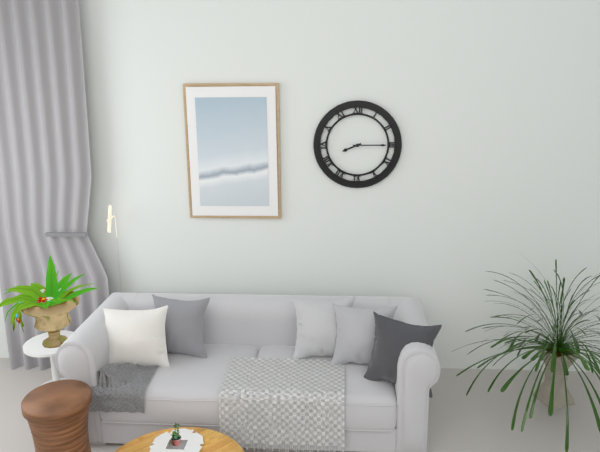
h=8 m=15
